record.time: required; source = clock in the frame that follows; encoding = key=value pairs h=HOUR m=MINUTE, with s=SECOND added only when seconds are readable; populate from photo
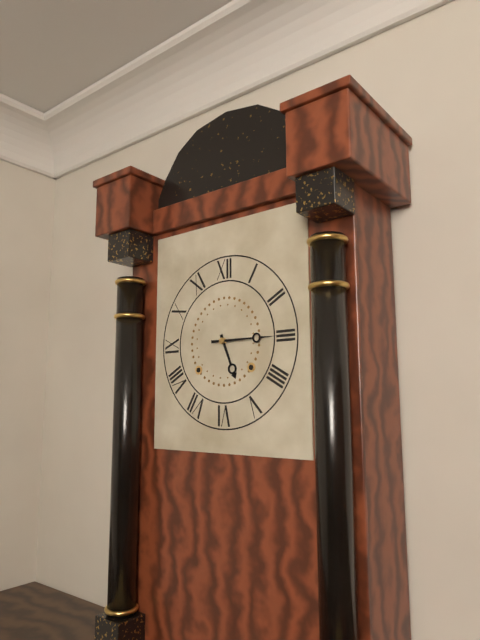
h=5 m=15
